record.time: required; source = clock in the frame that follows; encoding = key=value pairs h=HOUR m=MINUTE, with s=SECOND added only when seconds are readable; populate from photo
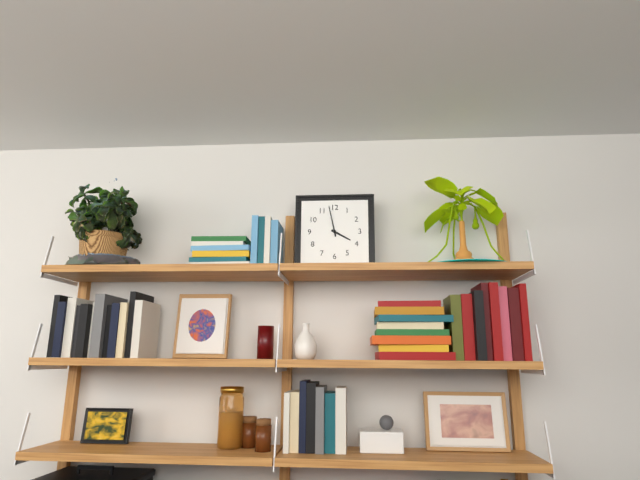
h=3 m=58
